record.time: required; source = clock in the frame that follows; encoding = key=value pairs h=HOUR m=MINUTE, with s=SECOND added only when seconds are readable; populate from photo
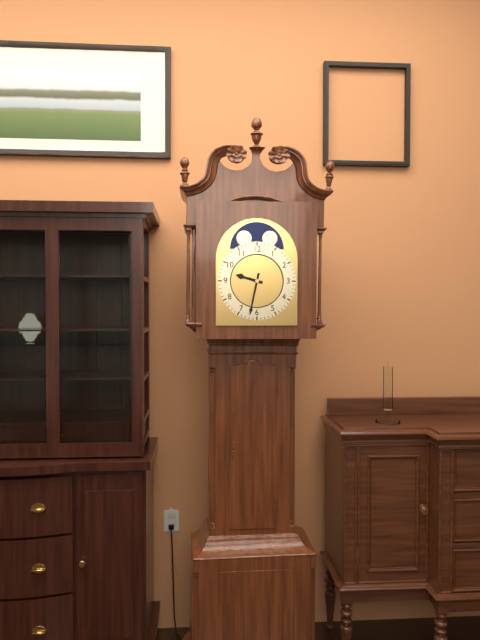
h=9 m=32
